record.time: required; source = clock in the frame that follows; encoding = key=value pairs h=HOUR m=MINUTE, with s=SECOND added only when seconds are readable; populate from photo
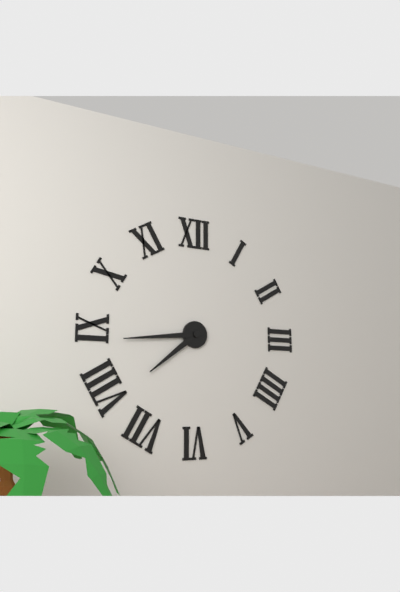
h=7 m=44
